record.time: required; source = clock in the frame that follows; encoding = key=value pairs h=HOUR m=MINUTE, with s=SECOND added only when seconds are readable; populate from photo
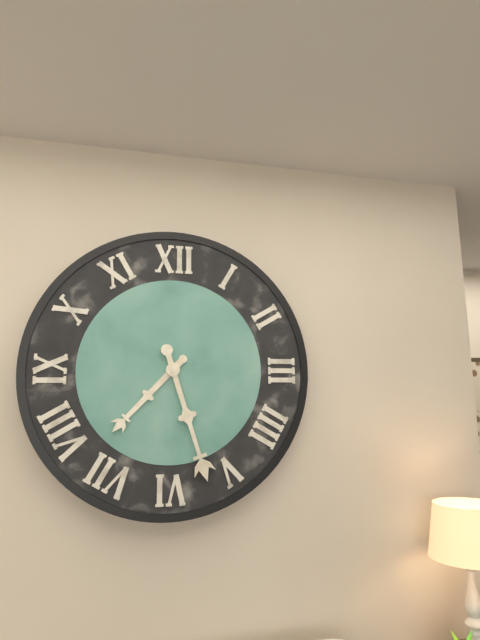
h=7 m=27
